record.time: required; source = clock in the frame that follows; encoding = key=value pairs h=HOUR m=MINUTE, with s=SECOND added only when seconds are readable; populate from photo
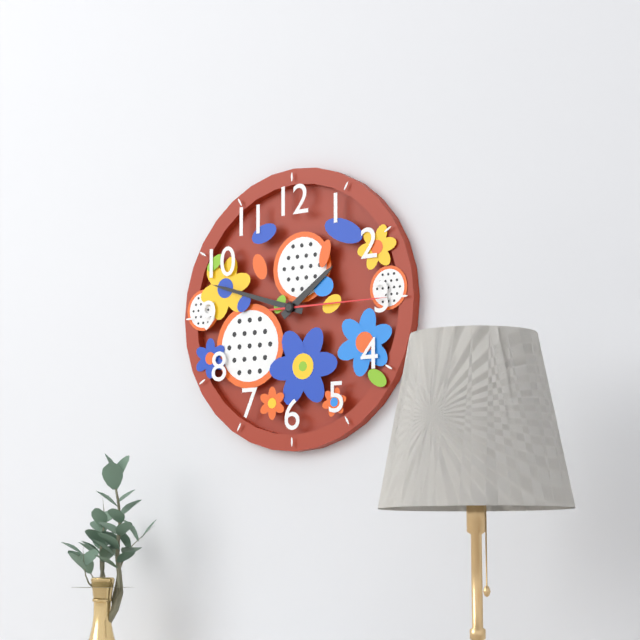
h=1 m=48 s=15
